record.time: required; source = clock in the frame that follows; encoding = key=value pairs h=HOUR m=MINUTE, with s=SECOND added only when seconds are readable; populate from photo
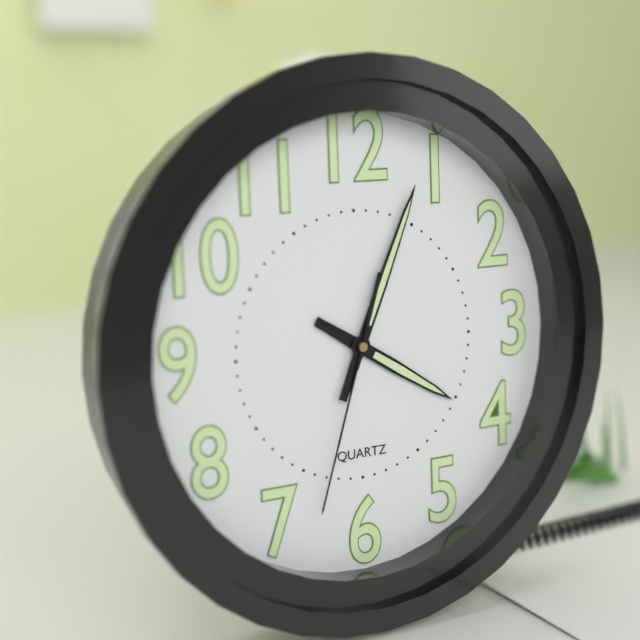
h=4 m=4 s=33
